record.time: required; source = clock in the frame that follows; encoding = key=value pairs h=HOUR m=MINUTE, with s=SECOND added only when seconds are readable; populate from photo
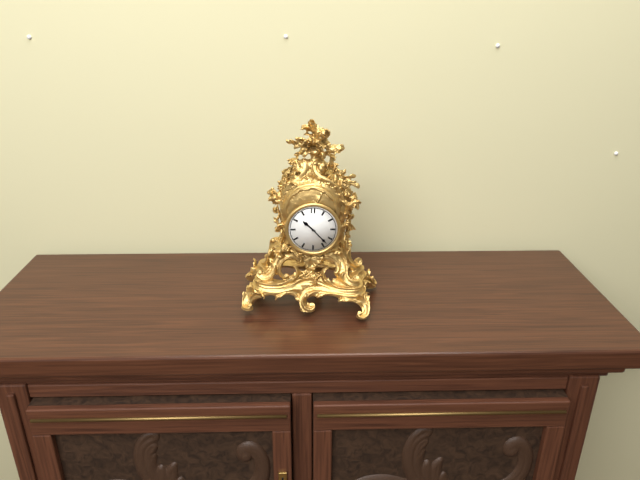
h=10 m=23
